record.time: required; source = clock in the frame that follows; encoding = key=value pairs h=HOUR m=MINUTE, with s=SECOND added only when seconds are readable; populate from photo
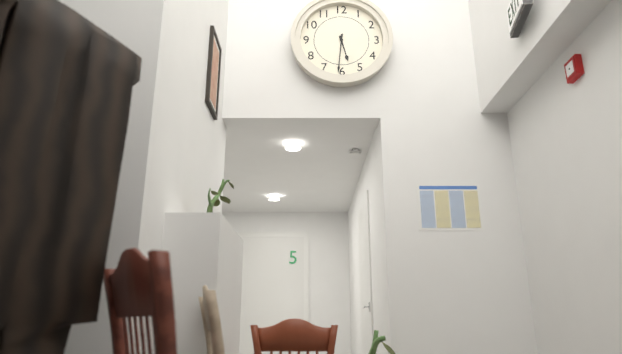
h=5 m=31
